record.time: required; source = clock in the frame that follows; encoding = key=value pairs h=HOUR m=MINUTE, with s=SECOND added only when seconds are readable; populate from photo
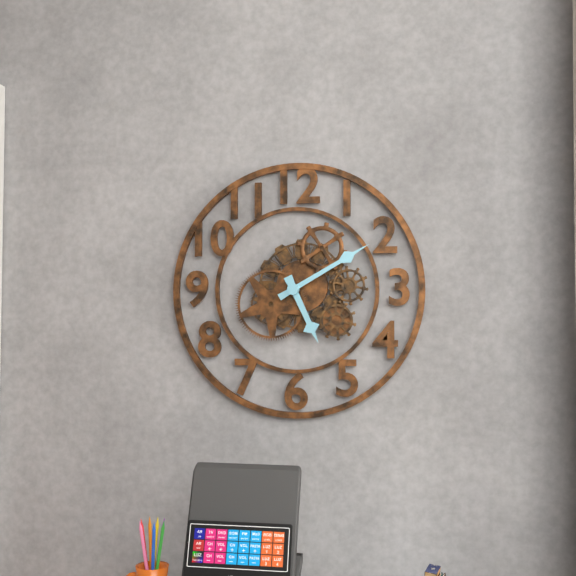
h=5 m=10
